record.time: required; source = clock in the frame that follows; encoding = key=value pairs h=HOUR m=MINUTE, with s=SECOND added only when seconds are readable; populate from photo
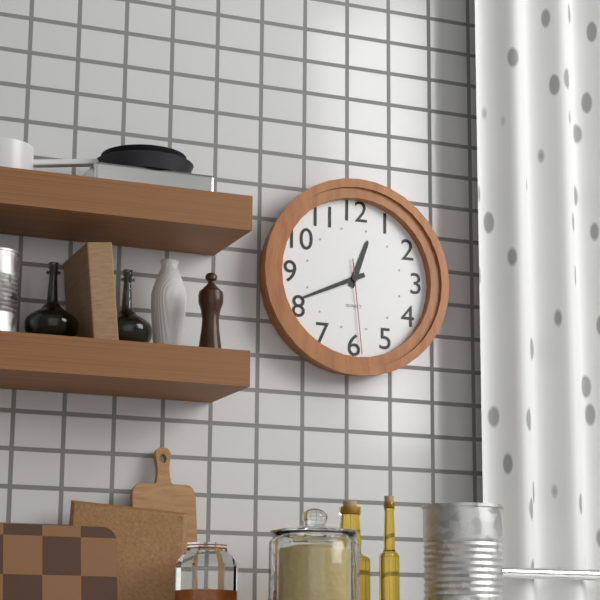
h=12 m=41 s=29
